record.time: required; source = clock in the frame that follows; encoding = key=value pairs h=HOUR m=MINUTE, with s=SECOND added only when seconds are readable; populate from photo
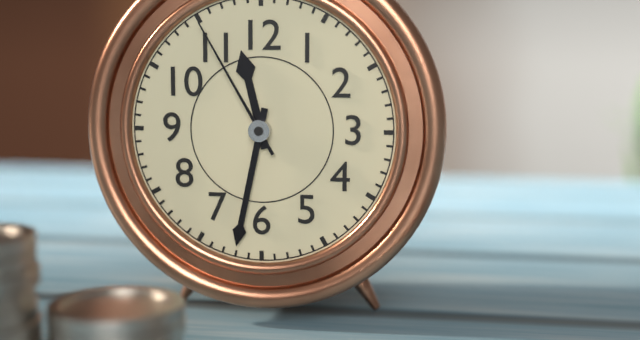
h=11 m=32 s=55
